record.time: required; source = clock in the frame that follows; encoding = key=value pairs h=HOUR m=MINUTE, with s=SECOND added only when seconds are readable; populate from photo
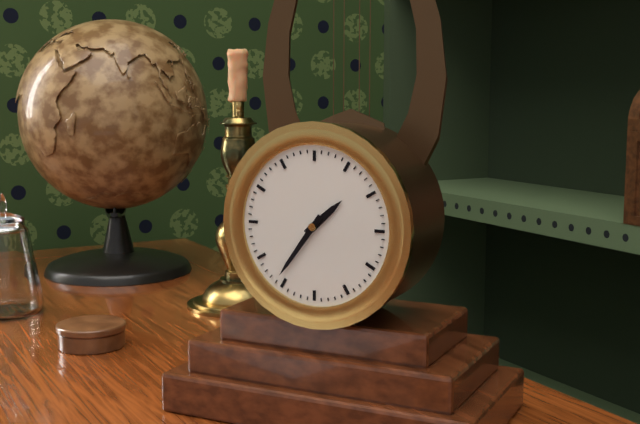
h=1 m=36
